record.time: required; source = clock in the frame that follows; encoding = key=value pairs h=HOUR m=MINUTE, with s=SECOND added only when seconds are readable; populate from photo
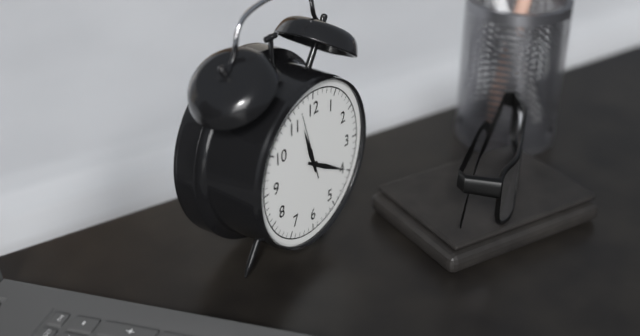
h=11 m=20 s=57
